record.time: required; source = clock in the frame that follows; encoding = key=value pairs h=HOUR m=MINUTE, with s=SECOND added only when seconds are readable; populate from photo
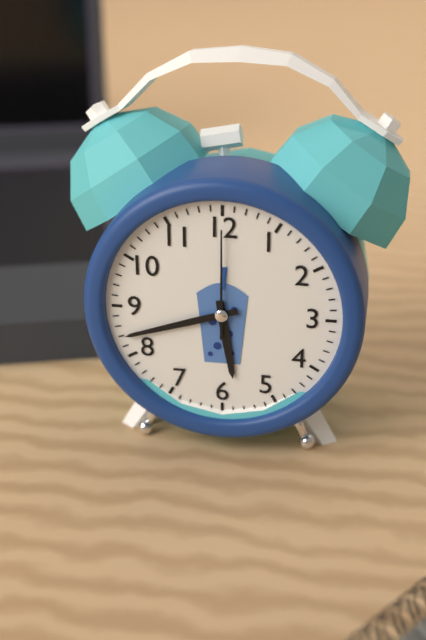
h=5 m=42 s=0
